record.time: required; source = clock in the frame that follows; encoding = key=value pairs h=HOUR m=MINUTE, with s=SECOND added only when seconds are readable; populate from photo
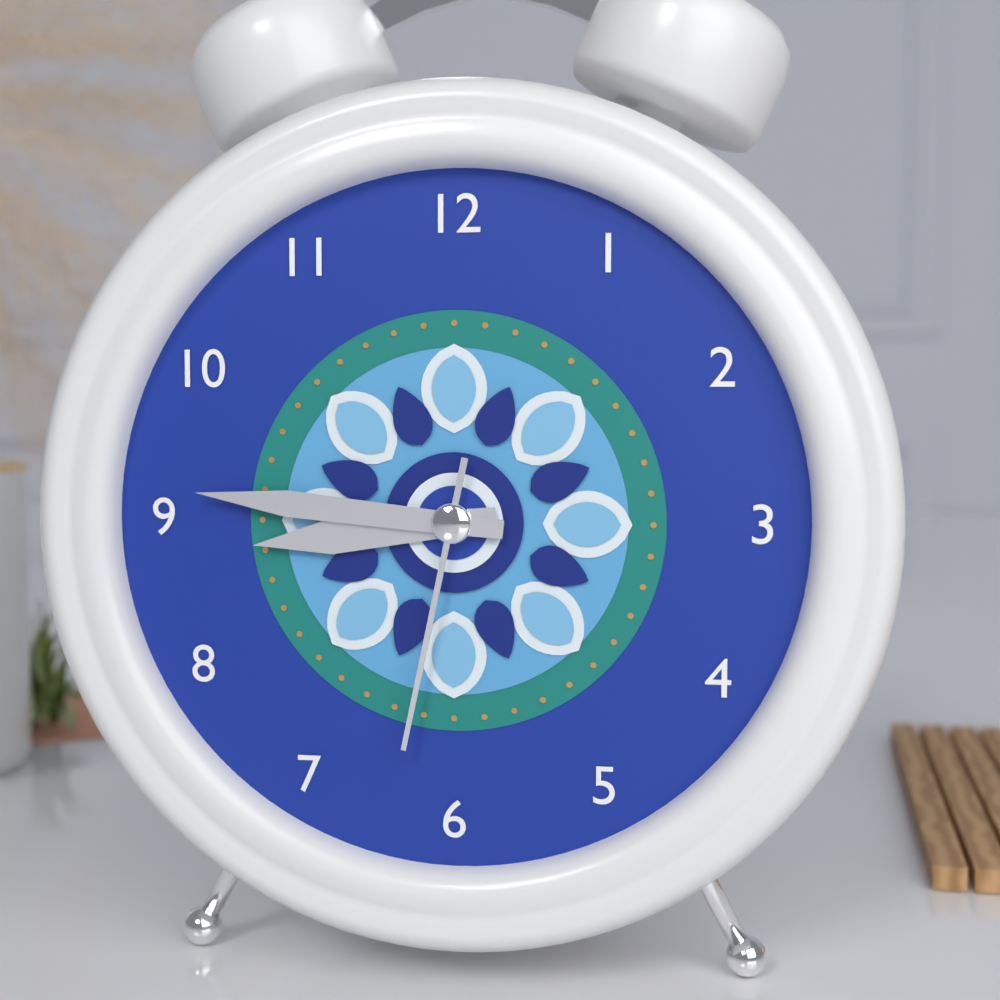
h=8 m=46 s=32
